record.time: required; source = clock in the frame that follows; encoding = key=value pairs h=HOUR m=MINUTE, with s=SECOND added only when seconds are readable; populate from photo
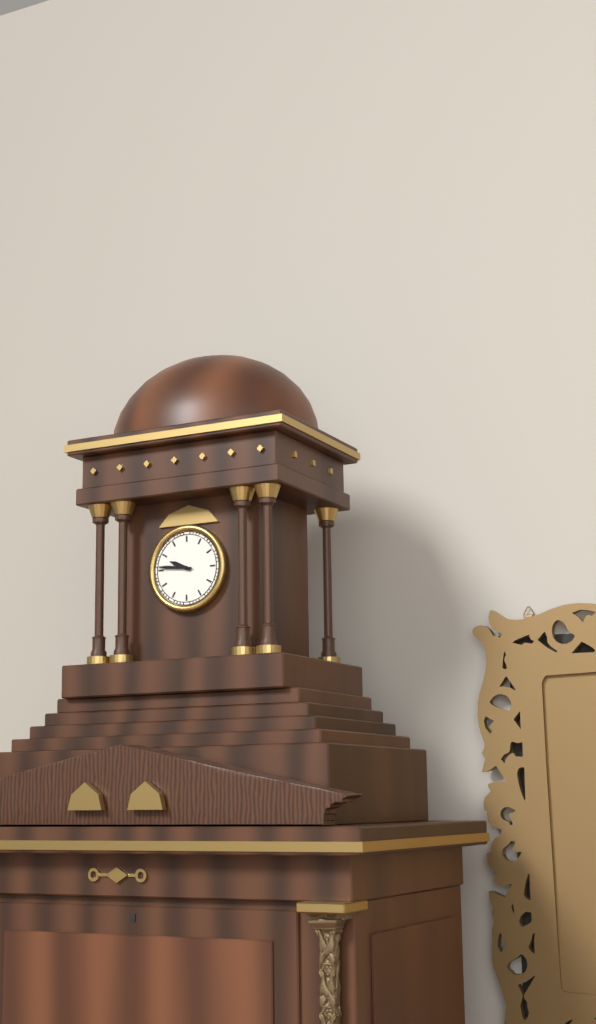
h=9 m=46
